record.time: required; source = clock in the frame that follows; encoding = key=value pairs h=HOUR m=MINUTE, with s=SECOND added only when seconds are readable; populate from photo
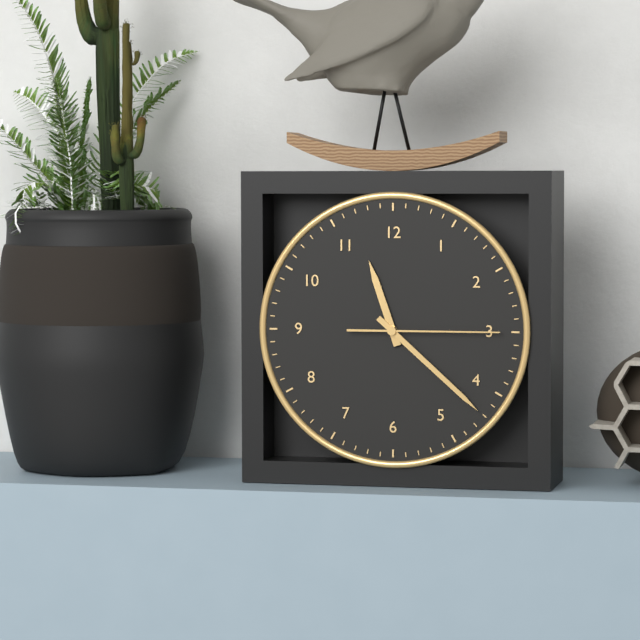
h=11 m=22 s=15
